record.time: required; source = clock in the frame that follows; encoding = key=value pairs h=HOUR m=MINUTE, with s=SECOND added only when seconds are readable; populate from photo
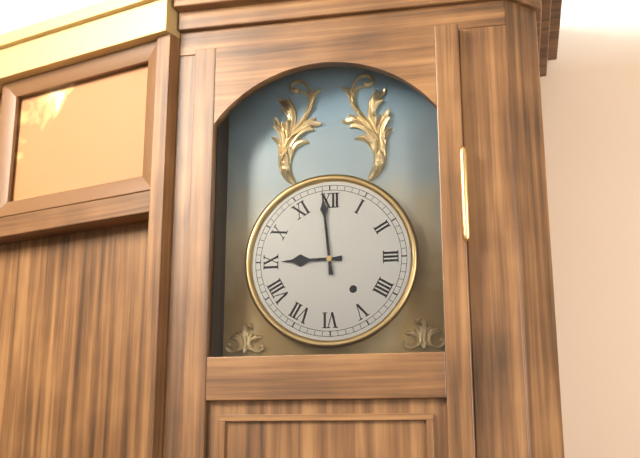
h=8 m=59
